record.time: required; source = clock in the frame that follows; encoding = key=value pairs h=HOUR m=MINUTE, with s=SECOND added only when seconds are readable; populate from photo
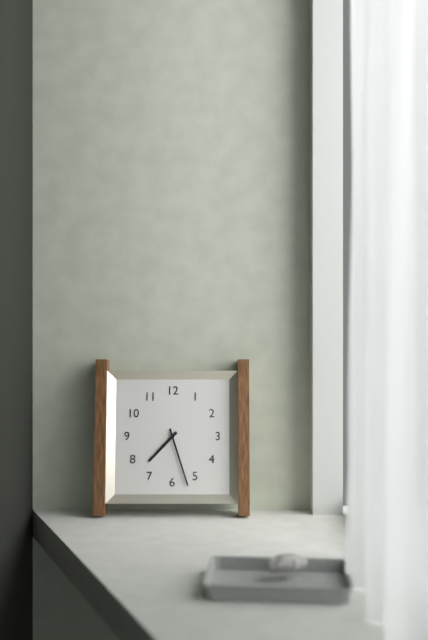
h=7 m=27
